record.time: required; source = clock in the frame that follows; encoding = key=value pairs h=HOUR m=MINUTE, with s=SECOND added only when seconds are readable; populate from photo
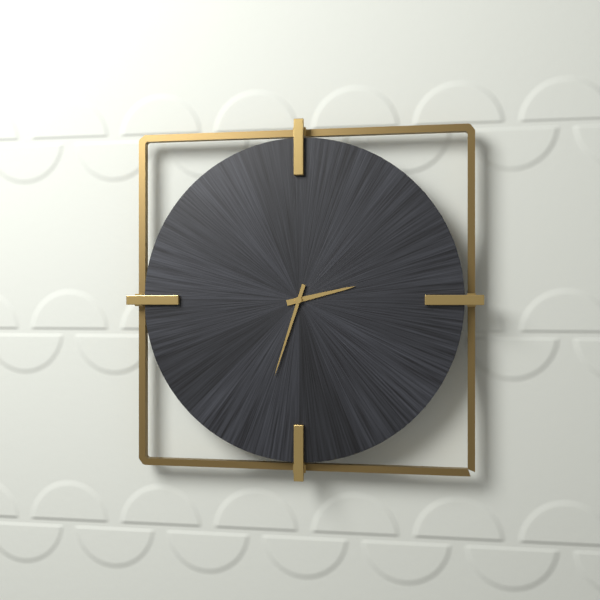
h=2 m=33
